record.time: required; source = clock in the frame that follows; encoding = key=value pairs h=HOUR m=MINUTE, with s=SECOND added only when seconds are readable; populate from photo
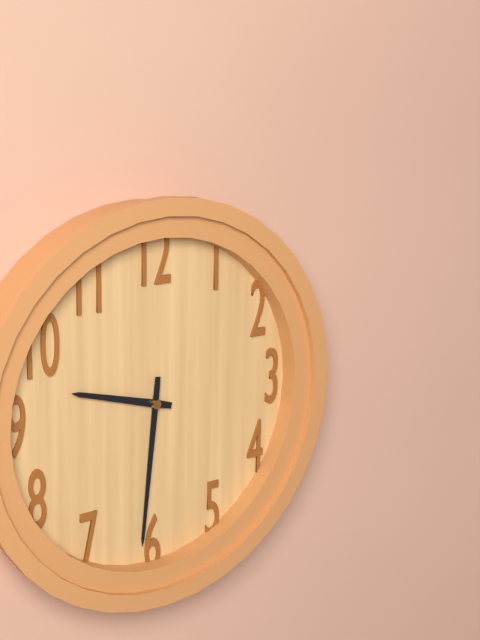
h=9 m=31
